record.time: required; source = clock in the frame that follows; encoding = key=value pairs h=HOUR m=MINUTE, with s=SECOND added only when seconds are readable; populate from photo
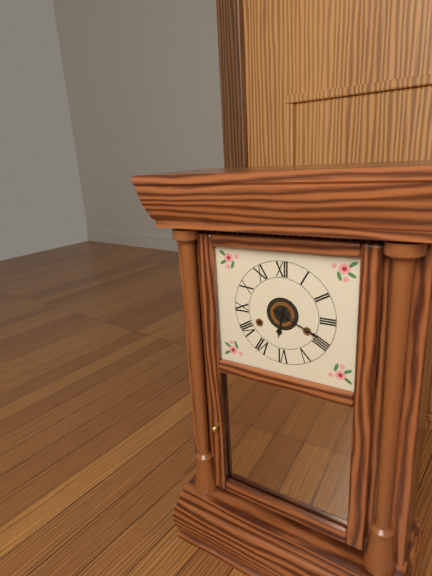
h=6 m=19
